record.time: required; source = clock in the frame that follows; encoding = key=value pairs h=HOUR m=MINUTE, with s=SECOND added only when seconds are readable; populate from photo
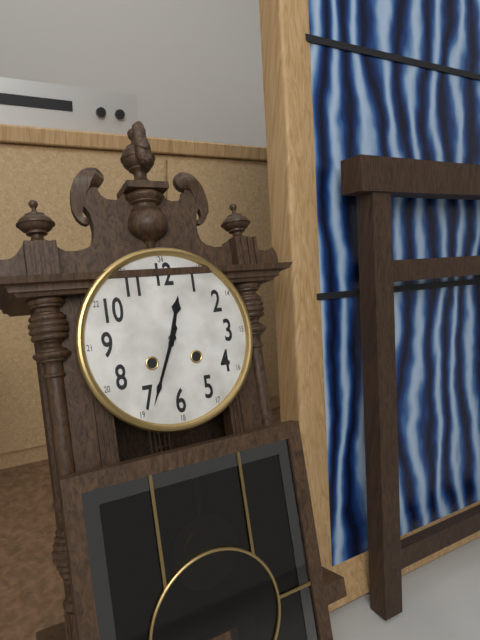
h=12 m=34
